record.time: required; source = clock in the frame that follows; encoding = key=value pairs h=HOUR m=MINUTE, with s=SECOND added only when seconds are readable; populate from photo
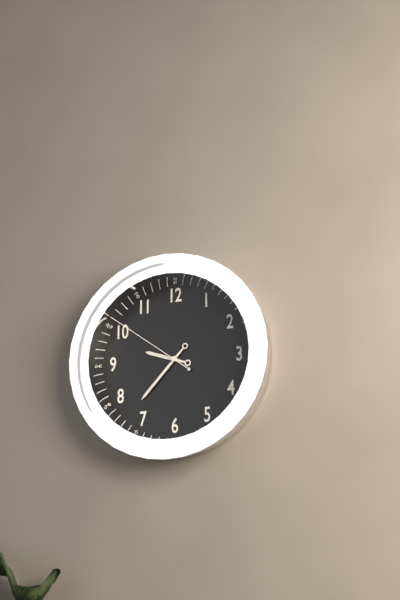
h=9 m=37 s=51
